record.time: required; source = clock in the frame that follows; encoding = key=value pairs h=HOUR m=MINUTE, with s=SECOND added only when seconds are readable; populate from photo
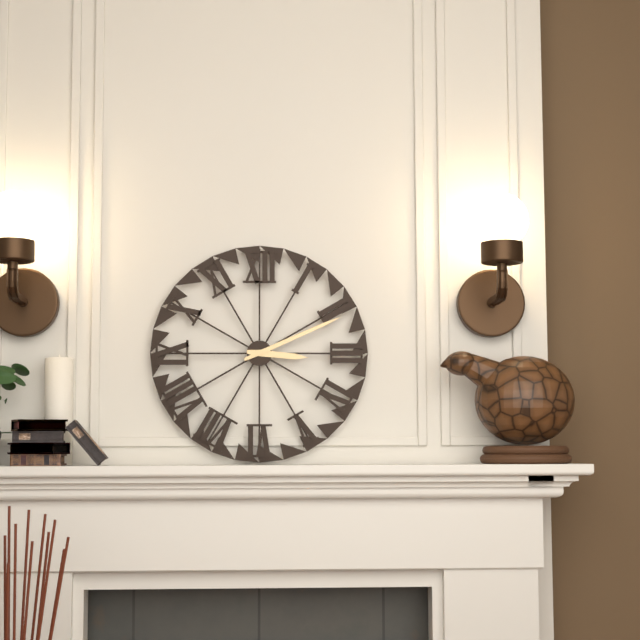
h=3 m=11
